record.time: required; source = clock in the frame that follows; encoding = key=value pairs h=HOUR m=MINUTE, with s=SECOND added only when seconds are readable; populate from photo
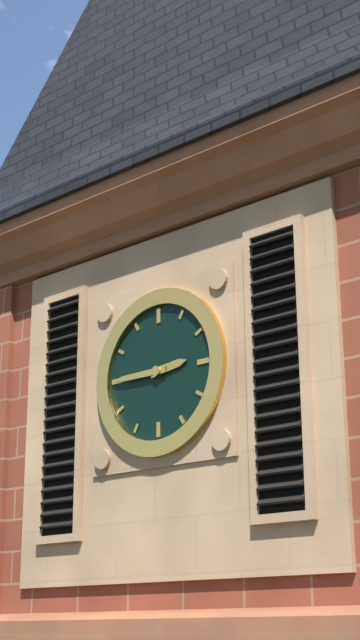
h=2 m=45
